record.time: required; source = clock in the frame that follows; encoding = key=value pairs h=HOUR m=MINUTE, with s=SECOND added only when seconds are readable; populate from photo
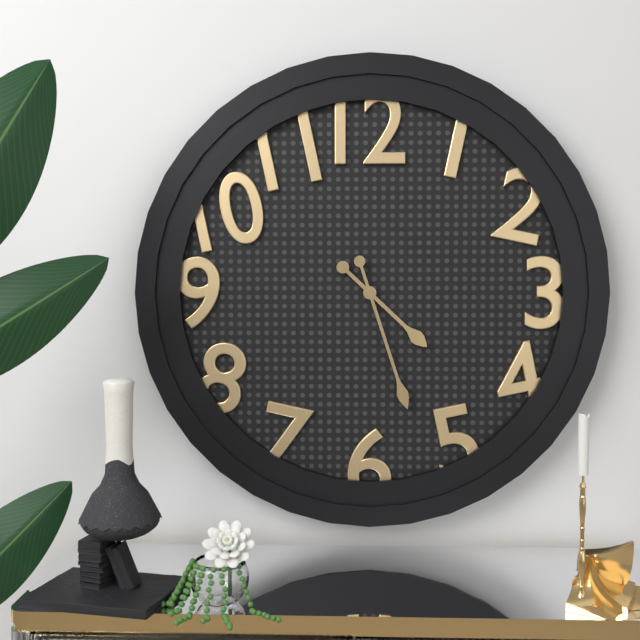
h=4 m=27
